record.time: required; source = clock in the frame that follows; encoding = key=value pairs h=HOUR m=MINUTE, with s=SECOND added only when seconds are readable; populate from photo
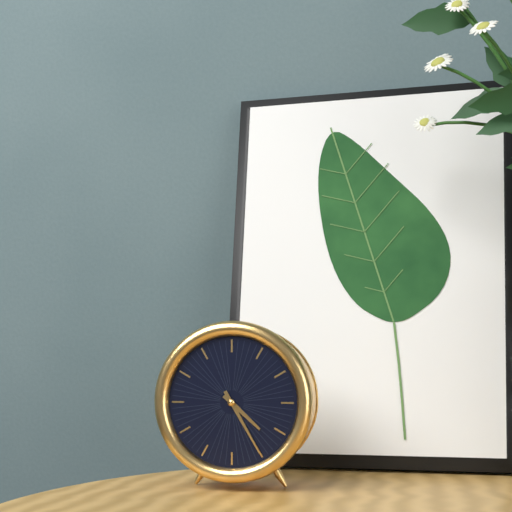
h=4 m=25
